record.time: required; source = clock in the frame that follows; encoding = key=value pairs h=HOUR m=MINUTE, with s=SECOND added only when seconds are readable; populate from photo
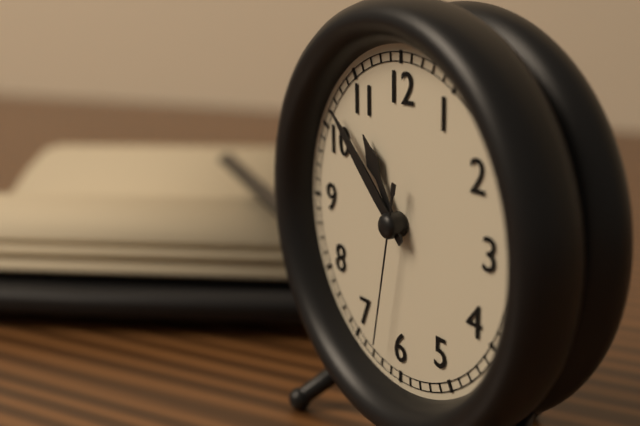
h=10 m=52 s=32
